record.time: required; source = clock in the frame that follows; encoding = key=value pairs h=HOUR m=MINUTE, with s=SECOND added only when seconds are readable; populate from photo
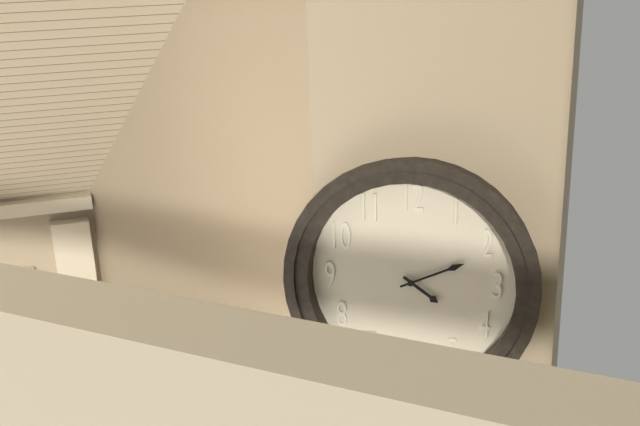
h=4 m=11
